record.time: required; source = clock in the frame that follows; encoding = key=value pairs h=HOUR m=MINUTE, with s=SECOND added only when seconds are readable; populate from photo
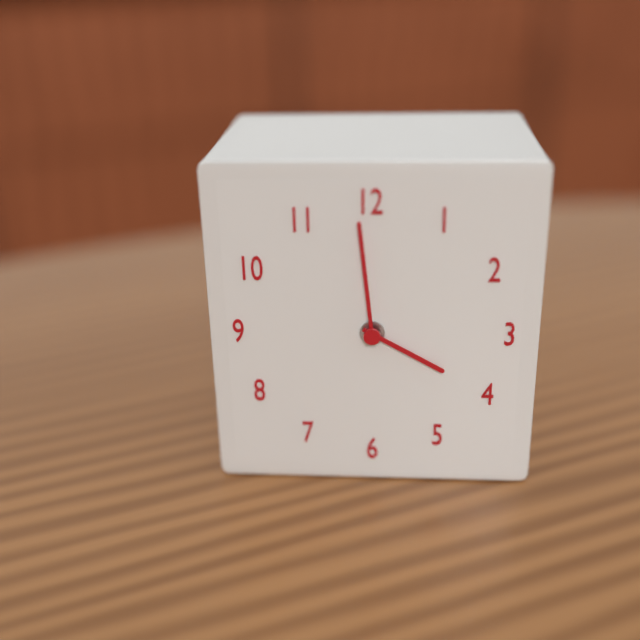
h=3 m=59
